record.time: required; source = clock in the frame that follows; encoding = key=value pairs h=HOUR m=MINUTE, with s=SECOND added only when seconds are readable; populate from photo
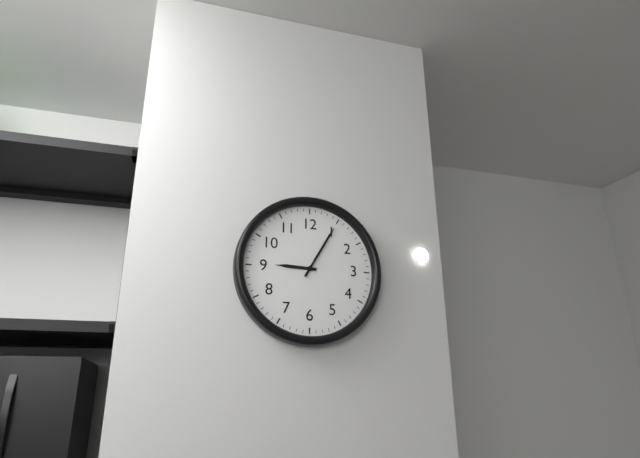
h=9 m=5
